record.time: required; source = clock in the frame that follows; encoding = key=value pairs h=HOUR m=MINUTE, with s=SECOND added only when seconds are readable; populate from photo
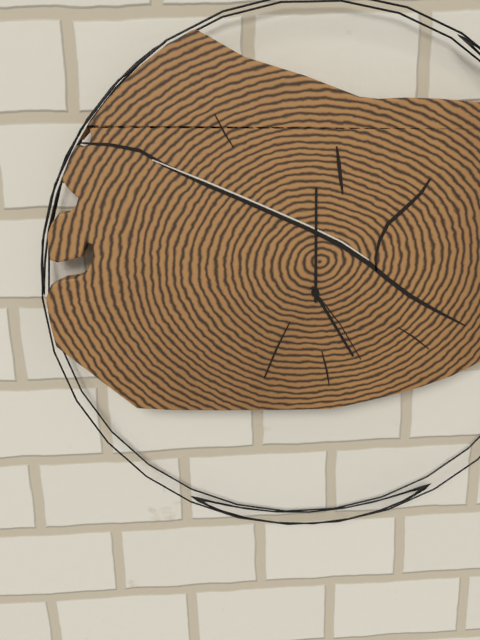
h=5 m=0
